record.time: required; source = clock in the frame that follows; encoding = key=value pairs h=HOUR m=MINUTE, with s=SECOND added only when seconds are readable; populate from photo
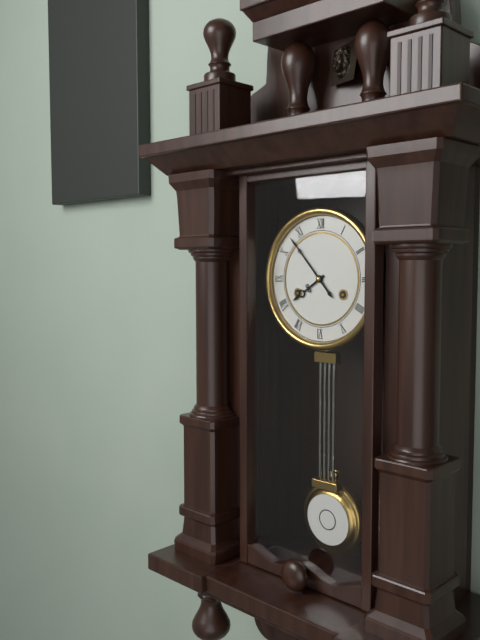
h=7 m=53
